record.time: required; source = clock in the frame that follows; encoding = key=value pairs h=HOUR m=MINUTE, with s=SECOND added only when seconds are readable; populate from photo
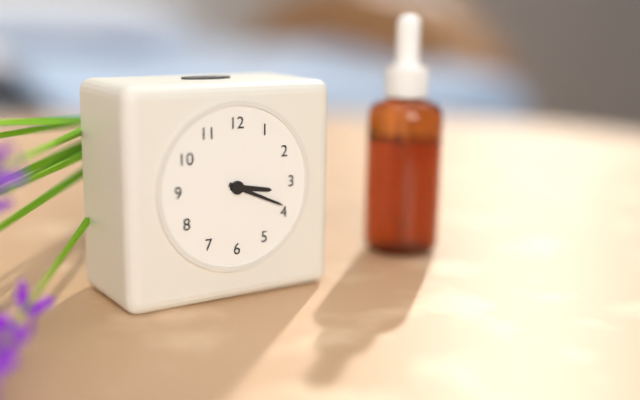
h=3 m=19
